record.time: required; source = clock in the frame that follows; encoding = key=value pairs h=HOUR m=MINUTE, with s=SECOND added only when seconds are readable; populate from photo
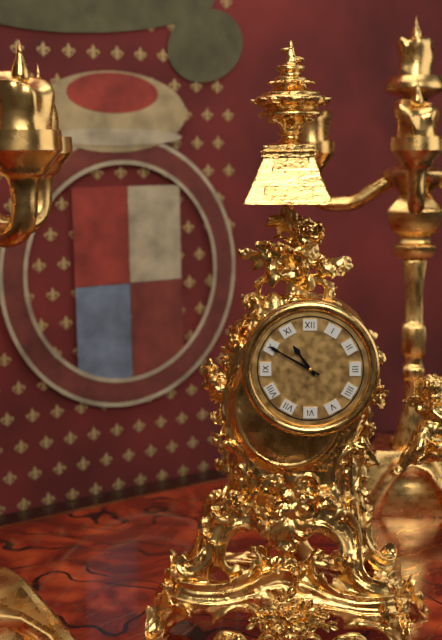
h=10 m=50
